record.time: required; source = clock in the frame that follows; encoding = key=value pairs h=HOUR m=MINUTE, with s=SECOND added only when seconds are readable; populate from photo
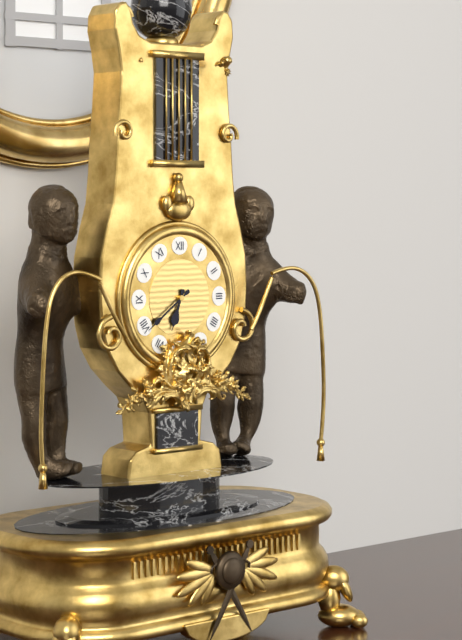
h=6 m=39
